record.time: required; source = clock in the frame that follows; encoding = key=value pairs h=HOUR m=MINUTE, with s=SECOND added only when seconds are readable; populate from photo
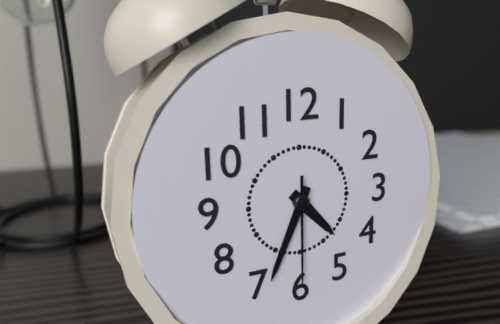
h=4 m=34 s=30
